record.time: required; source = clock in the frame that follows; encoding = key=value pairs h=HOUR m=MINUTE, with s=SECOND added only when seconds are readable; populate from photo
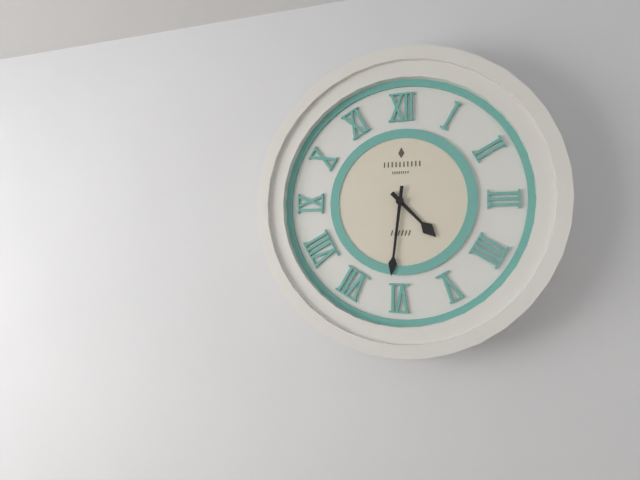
h=4 m=31
